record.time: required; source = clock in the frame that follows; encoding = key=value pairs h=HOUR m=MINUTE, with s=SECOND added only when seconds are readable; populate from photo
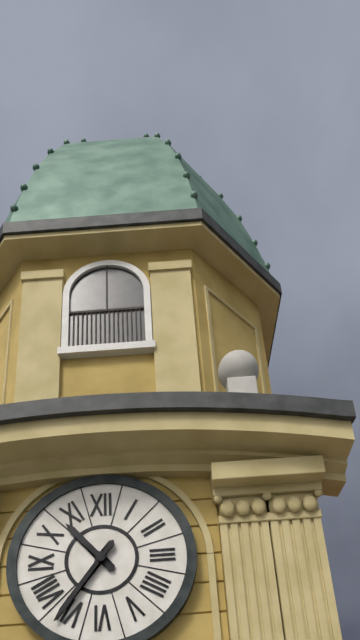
h=10 m=36
